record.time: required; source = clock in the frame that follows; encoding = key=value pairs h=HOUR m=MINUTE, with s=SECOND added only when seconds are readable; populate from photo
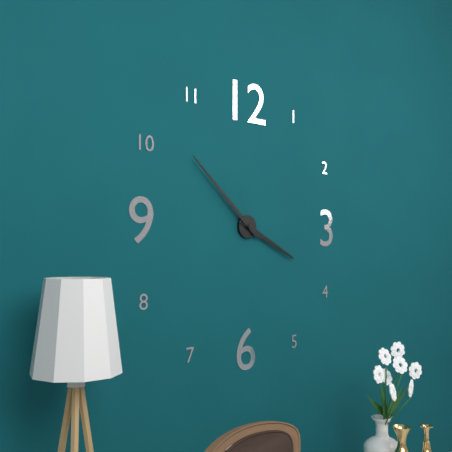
h=3 m=52
